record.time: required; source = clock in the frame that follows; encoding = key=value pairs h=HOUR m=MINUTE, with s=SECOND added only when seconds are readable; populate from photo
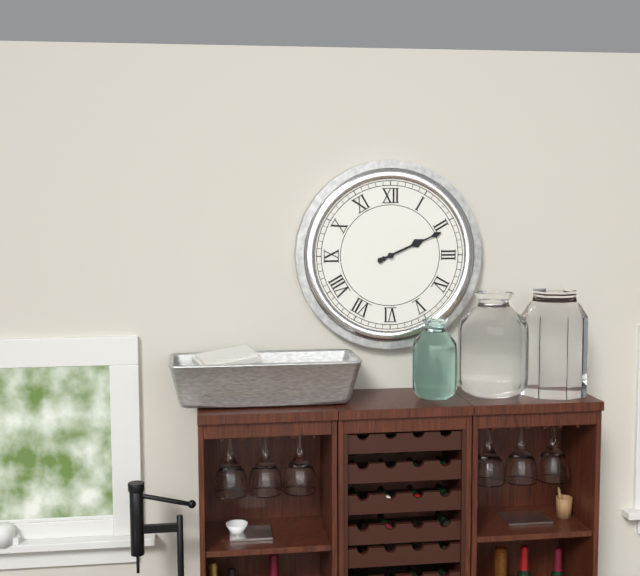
h=2 m=11
